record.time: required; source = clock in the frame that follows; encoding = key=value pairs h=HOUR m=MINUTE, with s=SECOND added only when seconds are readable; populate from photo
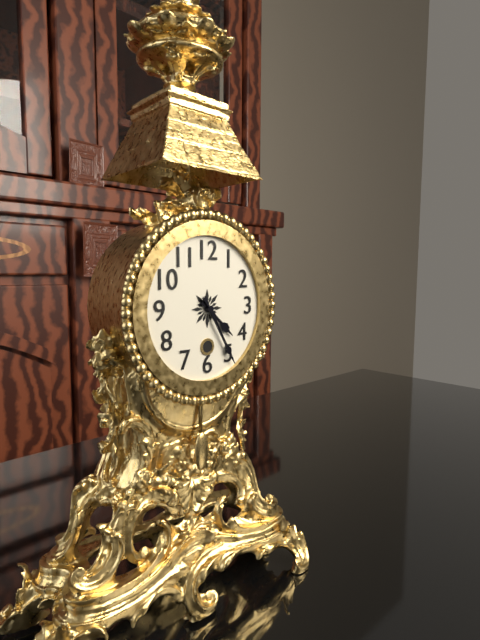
h=4 m=25
